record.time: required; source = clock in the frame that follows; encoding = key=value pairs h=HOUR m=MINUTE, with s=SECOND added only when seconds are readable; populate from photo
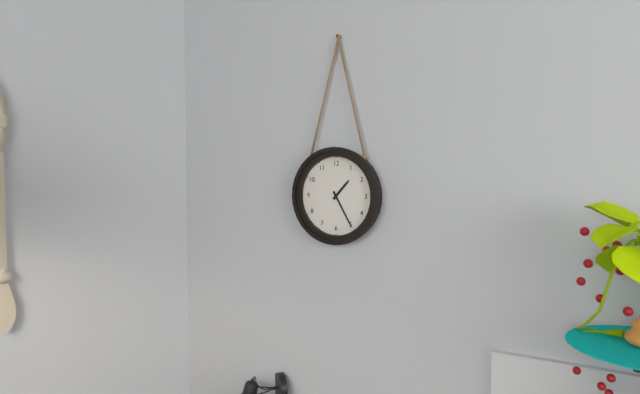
h=1 m=25
